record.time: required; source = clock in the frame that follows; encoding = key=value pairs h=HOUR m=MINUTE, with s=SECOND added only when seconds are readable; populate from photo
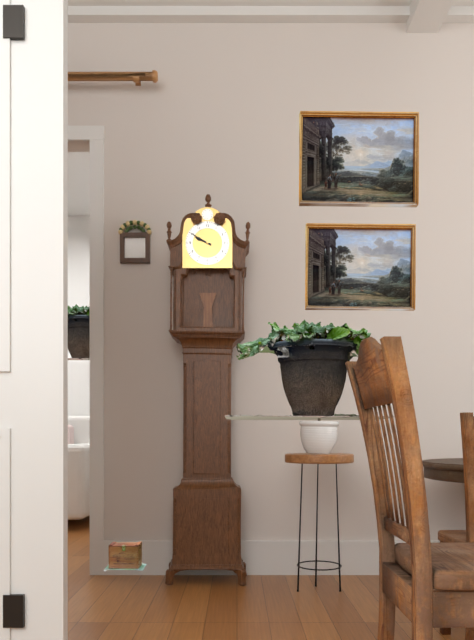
h=9 m=50
